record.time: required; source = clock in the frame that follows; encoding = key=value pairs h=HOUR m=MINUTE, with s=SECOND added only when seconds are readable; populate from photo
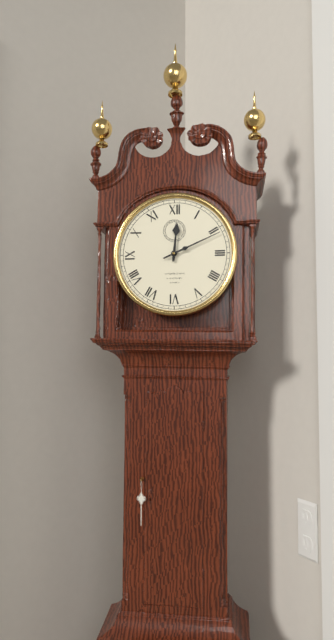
h=12 m=11
